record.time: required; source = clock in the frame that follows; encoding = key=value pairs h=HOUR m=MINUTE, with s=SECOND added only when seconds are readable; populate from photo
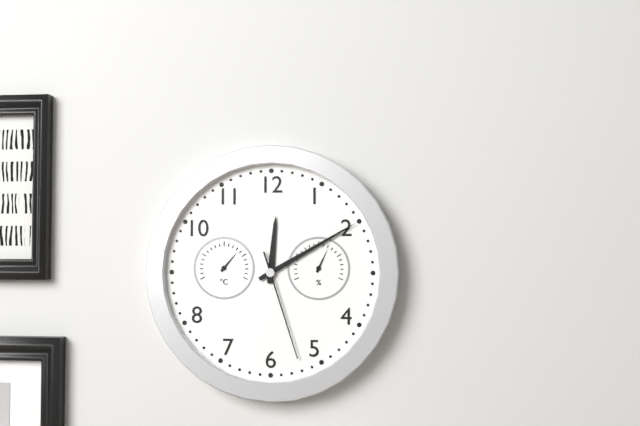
h=12 m=10 s=27
